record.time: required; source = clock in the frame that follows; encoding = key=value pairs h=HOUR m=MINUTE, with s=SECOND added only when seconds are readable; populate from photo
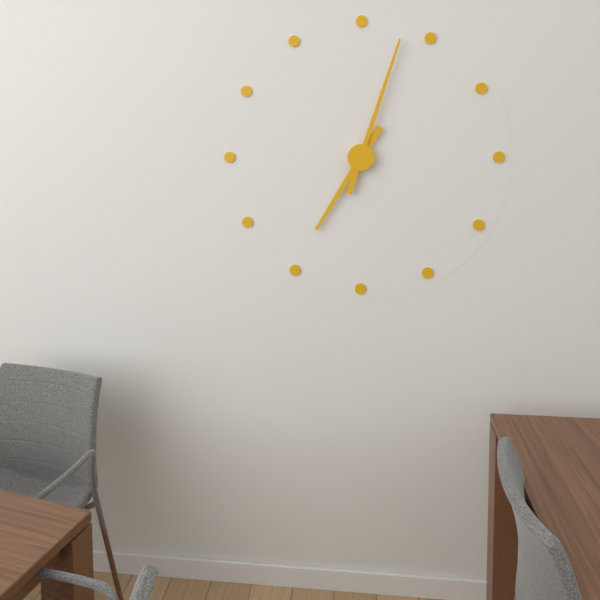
h=7 m=3
